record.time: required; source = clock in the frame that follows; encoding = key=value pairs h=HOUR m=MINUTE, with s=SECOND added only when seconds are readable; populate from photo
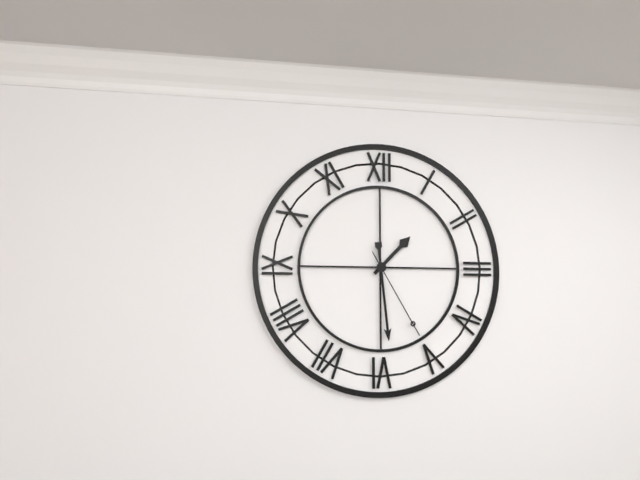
h=1 m=29 s=25
